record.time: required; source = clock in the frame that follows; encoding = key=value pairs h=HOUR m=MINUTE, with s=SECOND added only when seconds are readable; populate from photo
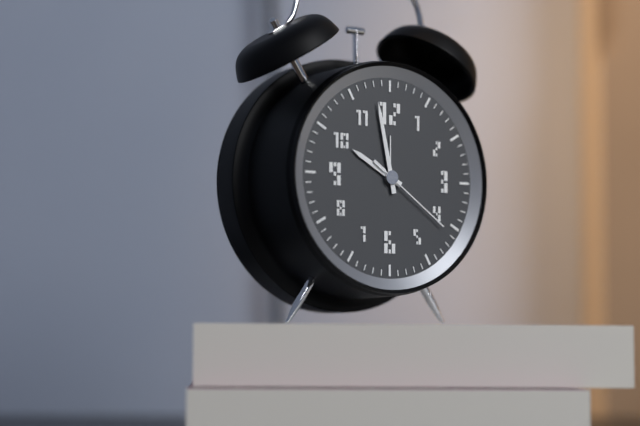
h=9 m=58 s=21
